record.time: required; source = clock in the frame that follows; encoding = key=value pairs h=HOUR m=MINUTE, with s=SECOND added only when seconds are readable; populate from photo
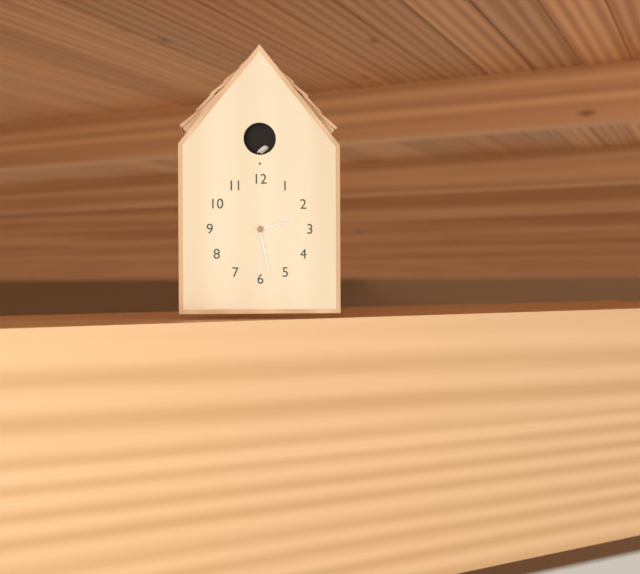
h=2 m=28
